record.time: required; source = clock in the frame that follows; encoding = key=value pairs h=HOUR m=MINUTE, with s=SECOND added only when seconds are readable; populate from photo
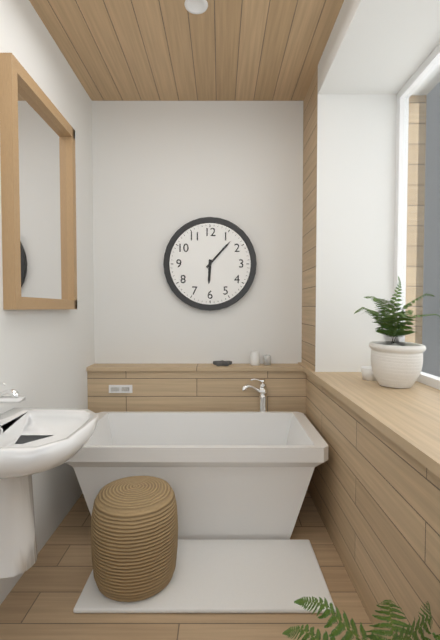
h=6 m=7
